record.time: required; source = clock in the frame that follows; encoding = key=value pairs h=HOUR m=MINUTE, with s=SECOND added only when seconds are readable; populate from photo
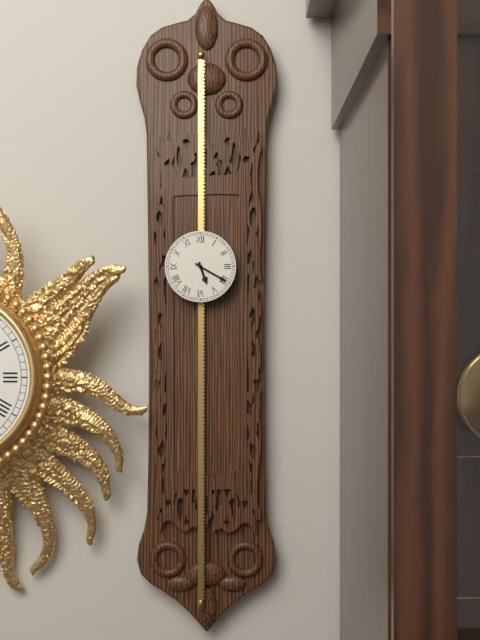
h=5 m=20
